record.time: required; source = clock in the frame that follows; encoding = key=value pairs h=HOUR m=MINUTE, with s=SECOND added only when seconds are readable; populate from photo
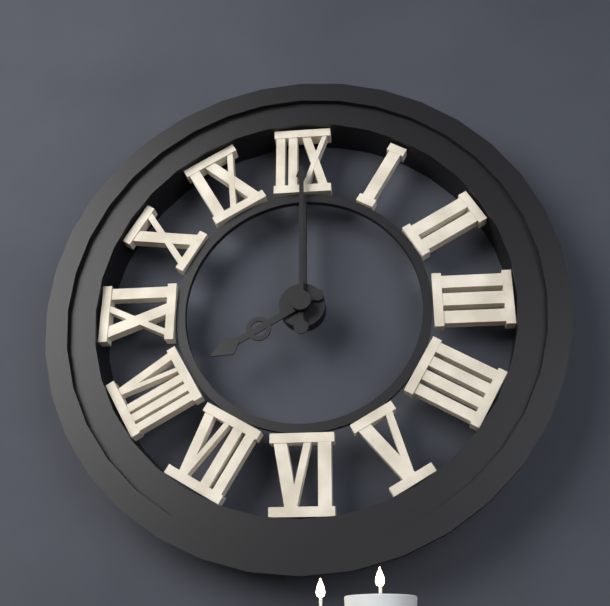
h=8 m=0
